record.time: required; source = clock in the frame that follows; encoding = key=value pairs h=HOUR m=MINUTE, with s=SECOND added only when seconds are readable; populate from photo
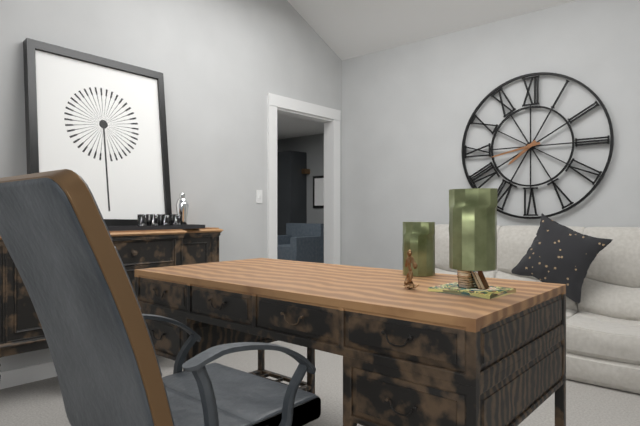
h=7 m=43
